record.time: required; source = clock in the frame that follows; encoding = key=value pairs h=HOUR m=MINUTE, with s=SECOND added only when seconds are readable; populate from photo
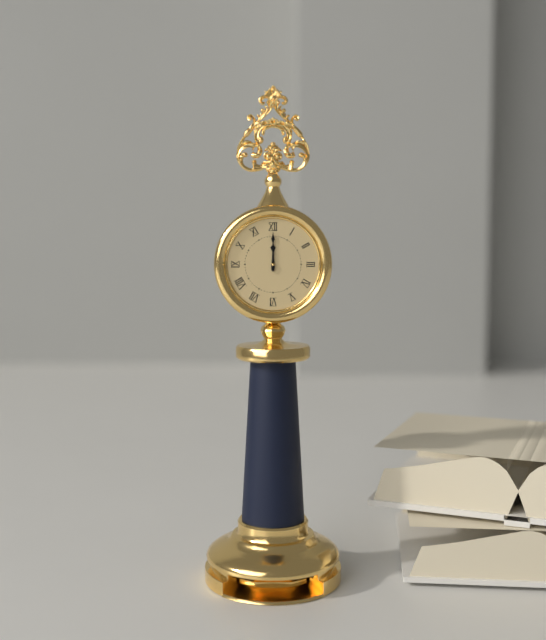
h=12 m=0
